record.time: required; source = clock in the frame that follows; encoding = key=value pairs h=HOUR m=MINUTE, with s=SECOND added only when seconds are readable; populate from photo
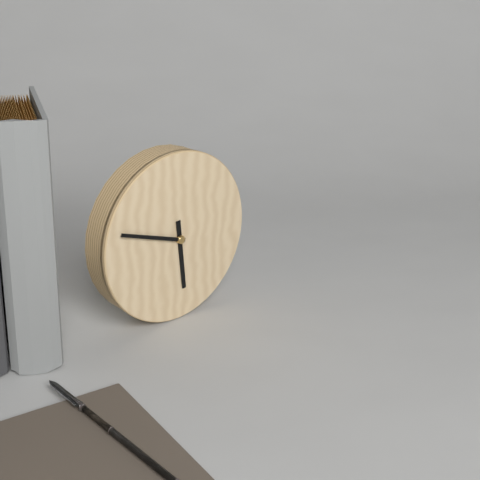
h=5 m=48
